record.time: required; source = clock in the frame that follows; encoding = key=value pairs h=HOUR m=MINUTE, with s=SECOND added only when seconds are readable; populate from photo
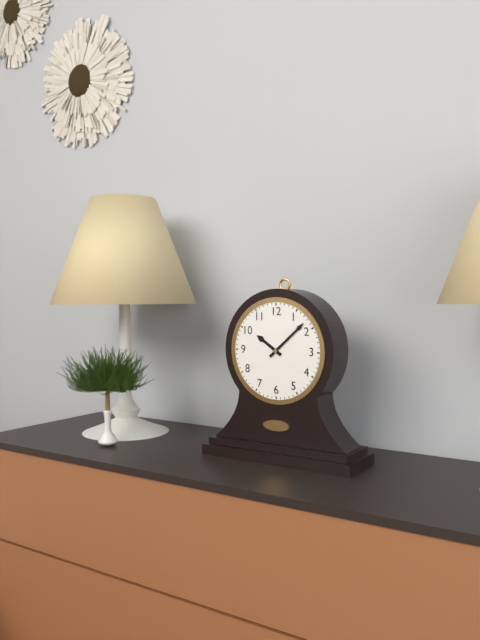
h=10 m=8
